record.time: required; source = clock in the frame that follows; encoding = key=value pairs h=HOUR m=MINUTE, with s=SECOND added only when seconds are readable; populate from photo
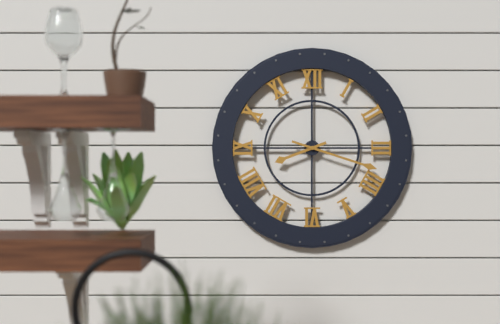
h=8 m=18
